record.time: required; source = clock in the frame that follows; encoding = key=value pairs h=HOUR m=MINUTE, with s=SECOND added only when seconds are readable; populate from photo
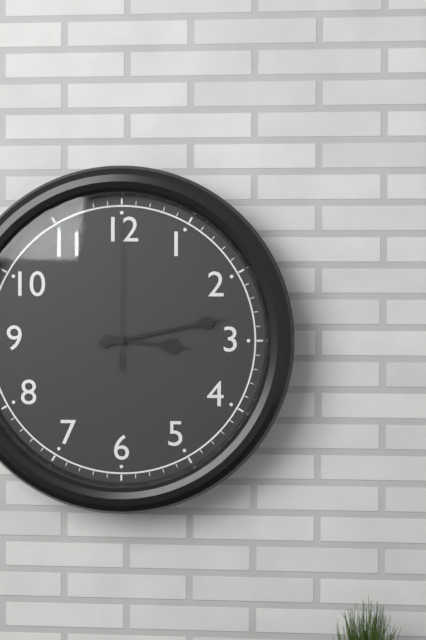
h=3 m=13 s=0
